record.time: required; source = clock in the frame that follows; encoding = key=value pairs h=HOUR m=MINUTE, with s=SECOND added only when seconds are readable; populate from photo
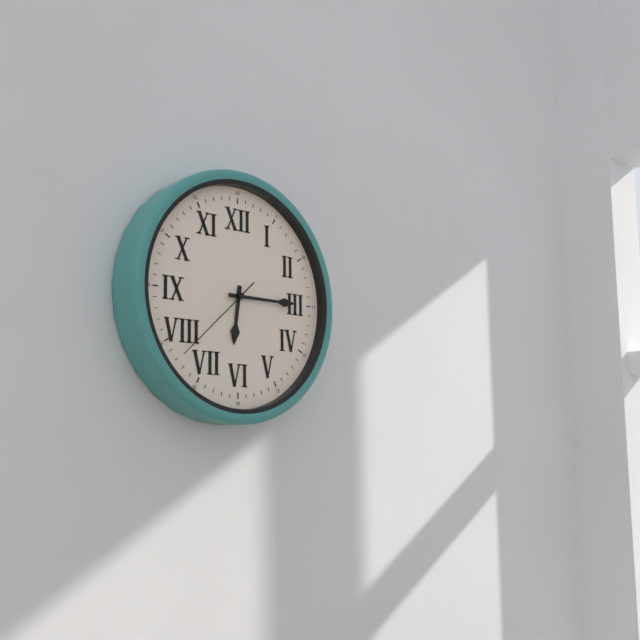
h=6 m=15 s=38
